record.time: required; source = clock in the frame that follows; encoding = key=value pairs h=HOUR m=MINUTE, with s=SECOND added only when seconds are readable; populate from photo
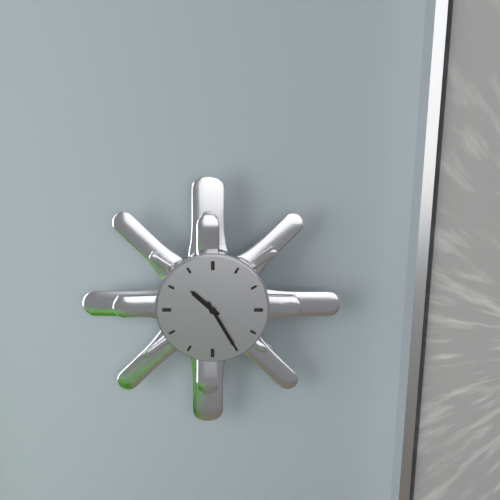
h=10 m=25
